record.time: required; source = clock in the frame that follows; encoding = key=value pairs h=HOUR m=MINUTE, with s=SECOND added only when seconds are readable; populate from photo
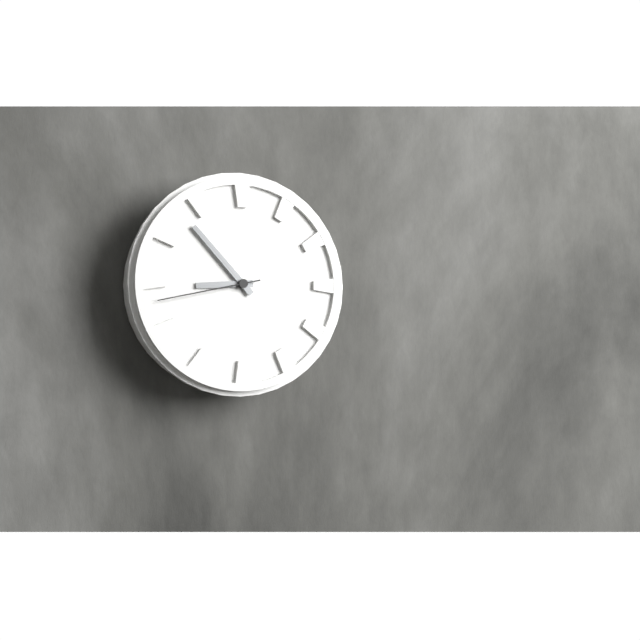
h=8 m=53 s=43
